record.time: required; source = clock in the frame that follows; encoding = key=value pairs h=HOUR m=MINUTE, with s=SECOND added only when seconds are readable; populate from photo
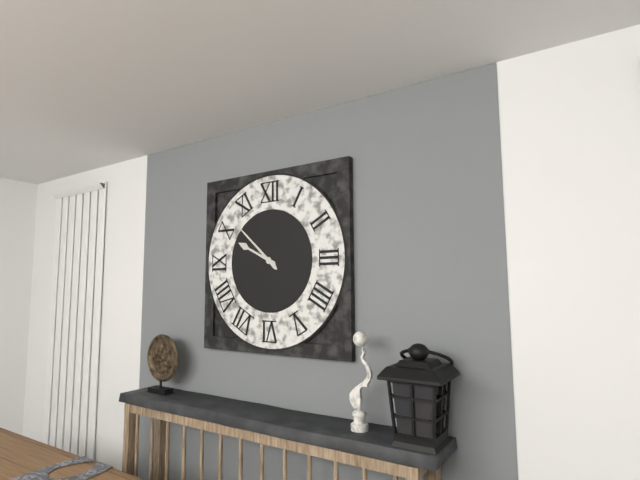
h=9 m=52
